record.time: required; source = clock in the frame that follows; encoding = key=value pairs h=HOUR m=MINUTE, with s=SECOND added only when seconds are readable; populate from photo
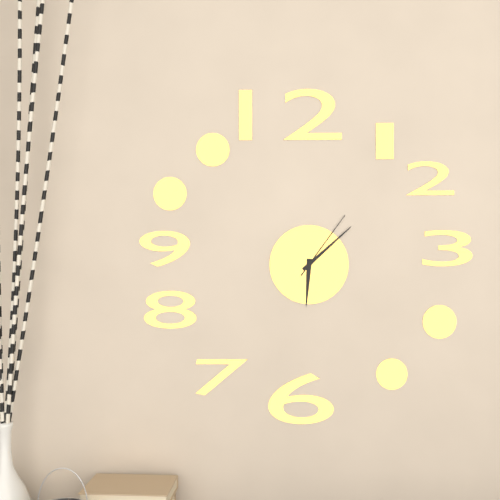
h=6 m=8 s=6
